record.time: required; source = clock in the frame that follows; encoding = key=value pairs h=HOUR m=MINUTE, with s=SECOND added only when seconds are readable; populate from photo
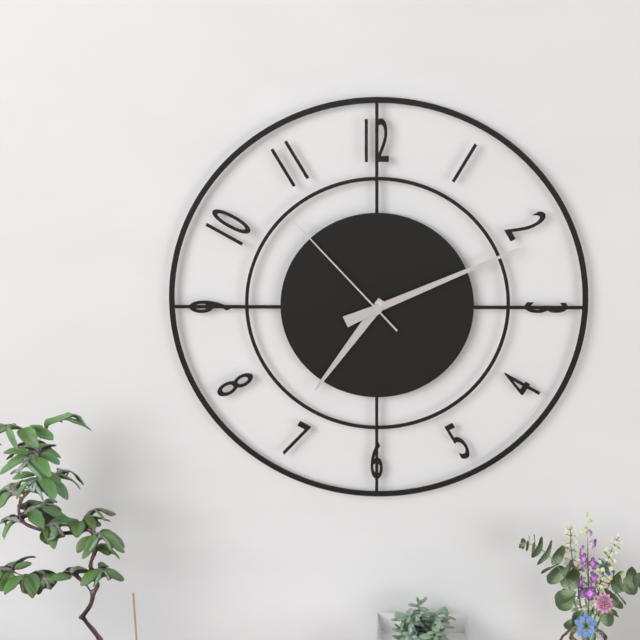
h=7 m=11 s=53
